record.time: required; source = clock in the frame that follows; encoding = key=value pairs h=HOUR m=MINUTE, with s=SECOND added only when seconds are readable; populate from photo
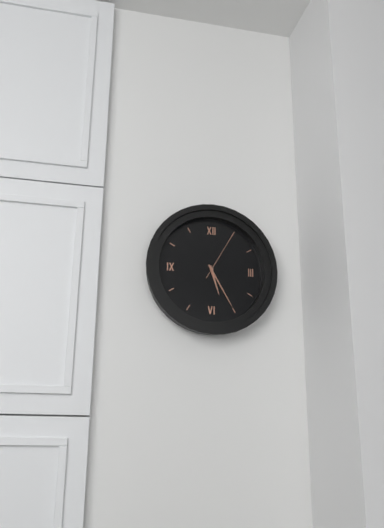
h=5 m=25 s=5
